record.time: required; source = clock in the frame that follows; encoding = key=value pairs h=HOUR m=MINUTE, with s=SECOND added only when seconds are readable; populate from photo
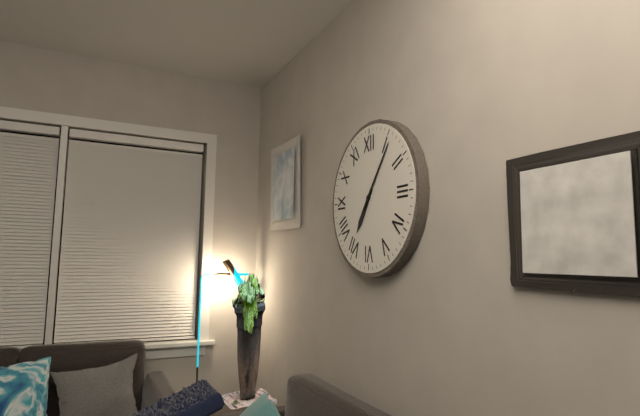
h=7 m=6
